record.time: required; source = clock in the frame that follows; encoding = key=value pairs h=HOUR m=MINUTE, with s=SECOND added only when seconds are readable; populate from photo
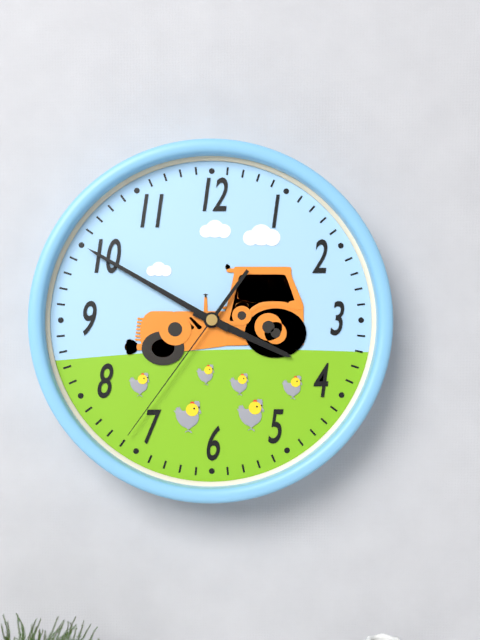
h=3 m=50 s=36
